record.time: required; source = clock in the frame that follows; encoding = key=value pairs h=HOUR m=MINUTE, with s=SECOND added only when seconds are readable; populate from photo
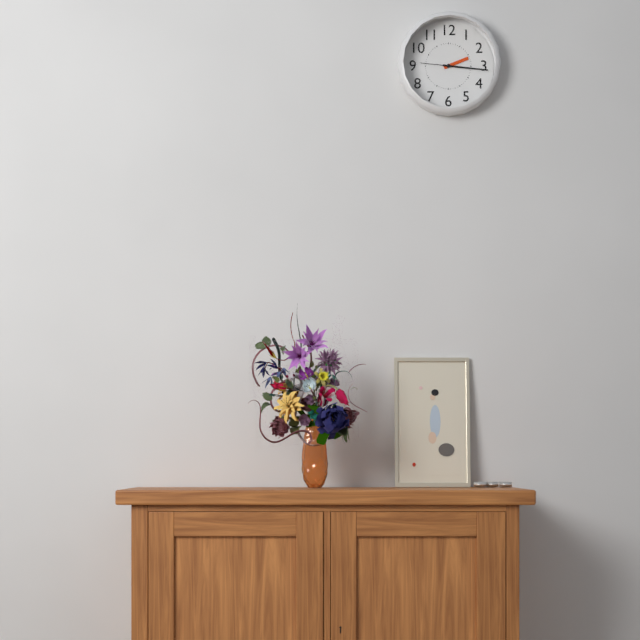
h=2 m=16
